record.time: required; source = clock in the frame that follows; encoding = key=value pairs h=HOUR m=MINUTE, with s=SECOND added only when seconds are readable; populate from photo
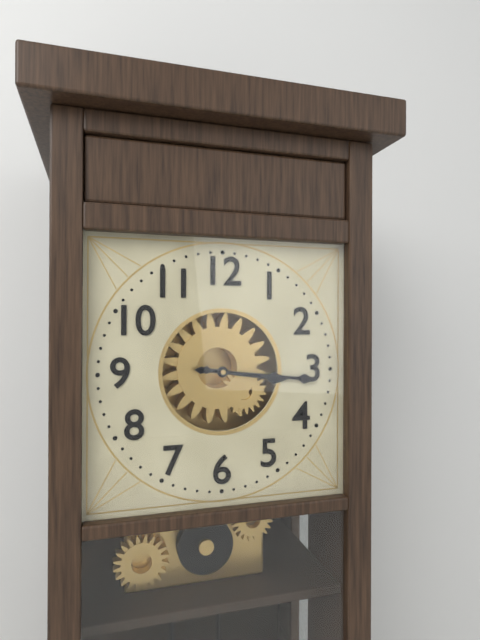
h=3 m=16
